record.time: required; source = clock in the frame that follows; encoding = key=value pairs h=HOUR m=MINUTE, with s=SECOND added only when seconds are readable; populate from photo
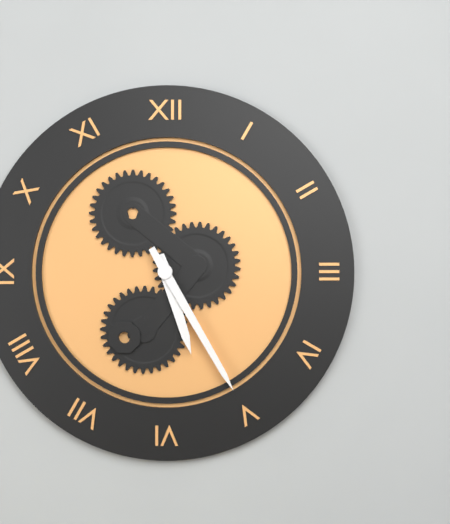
h=5 m=25
